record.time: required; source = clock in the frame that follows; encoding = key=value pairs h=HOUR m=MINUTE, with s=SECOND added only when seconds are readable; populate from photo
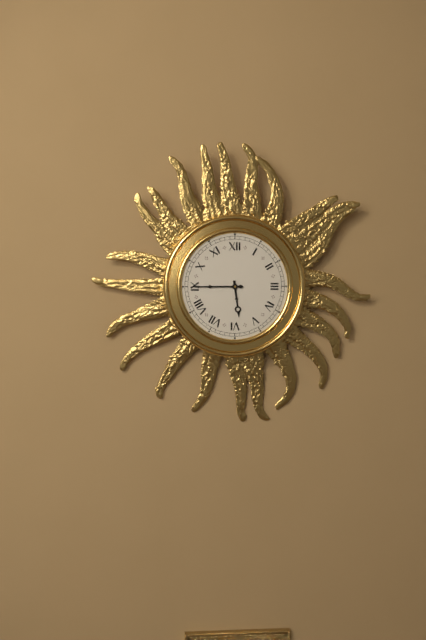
h=5 m=45
